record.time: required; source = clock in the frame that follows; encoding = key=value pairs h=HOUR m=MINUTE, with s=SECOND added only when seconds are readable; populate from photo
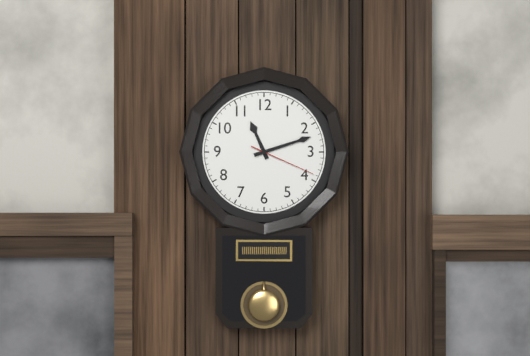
h=11 m=12 s=19
